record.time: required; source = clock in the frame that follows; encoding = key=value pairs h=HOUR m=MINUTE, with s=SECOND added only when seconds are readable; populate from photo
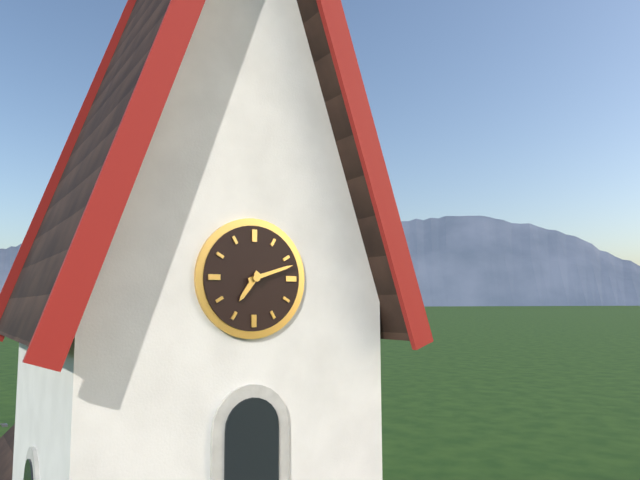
h=7 m=12
